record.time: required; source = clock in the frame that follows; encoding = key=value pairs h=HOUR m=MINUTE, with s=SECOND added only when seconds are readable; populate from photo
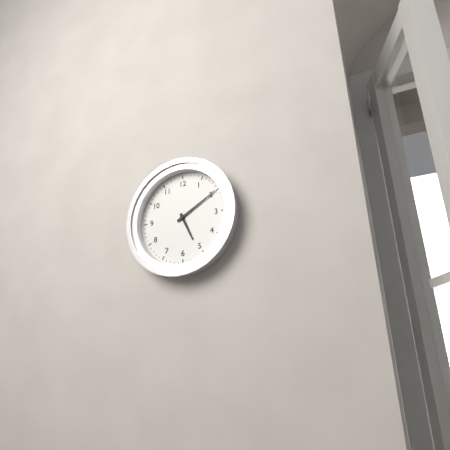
h=5 m=10
